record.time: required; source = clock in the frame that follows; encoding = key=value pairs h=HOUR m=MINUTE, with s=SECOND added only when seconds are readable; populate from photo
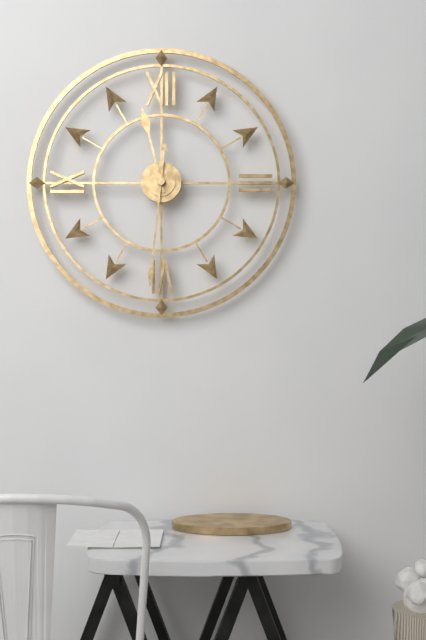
h=11 m=31
